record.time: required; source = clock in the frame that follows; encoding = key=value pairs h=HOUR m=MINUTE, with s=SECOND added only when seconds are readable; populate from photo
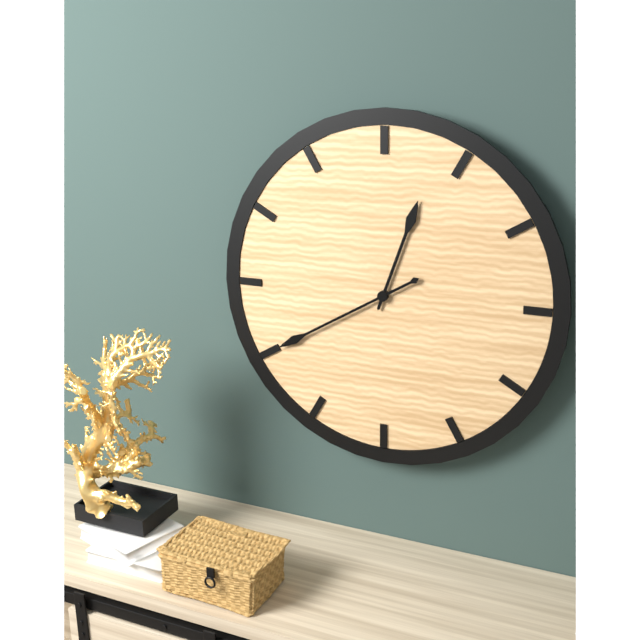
h=12 m=40
